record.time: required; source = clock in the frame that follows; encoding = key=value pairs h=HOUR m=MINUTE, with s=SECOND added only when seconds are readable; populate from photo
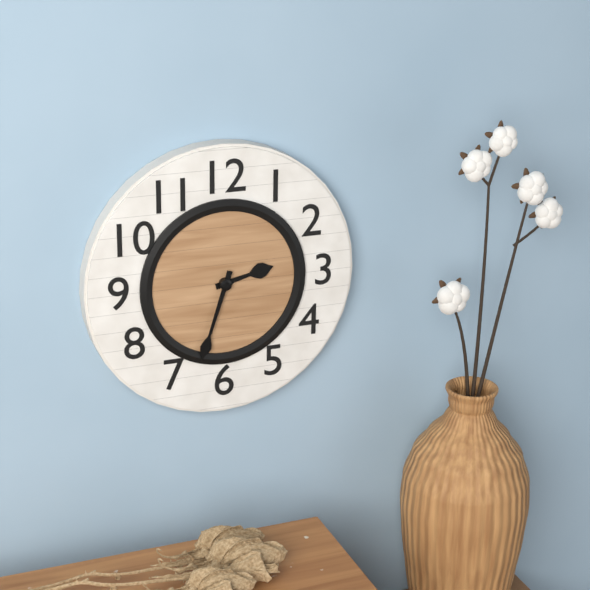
h=2 m=33
